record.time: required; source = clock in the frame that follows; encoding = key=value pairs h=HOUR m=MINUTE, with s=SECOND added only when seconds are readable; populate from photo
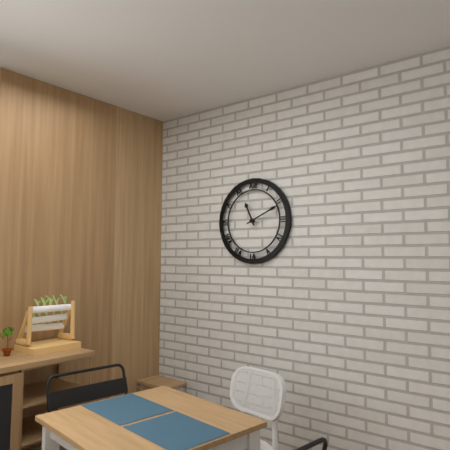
h=11 m=11
